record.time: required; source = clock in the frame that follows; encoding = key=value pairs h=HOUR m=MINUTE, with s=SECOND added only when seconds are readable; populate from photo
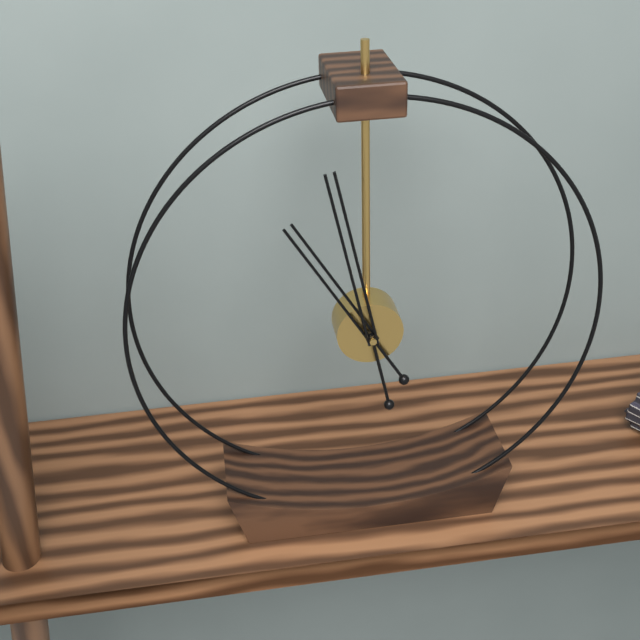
h=10 m=58
